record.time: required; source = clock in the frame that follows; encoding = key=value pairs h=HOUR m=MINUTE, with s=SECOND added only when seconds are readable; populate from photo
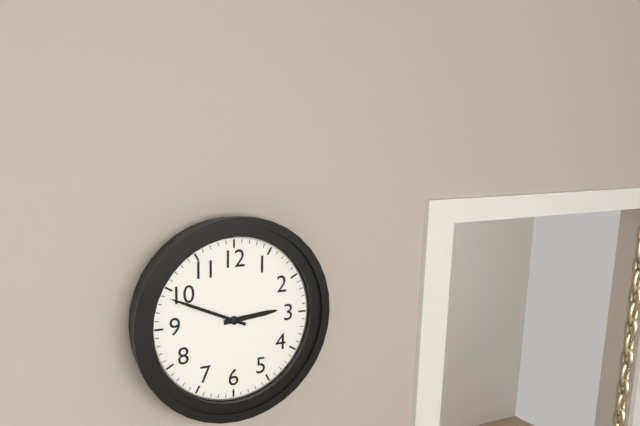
h=2 m=49
